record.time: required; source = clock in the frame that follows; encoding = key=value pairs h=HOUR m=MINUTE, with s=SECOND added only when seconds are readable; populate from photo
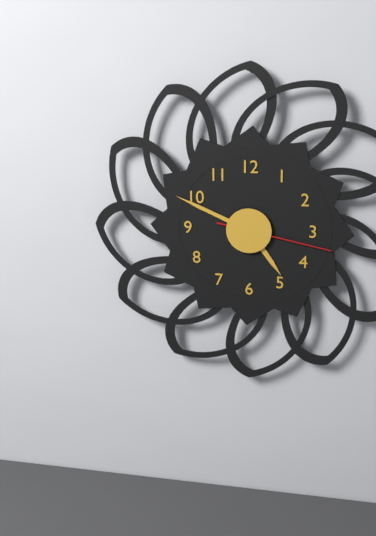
h=4 m=49 s=17
